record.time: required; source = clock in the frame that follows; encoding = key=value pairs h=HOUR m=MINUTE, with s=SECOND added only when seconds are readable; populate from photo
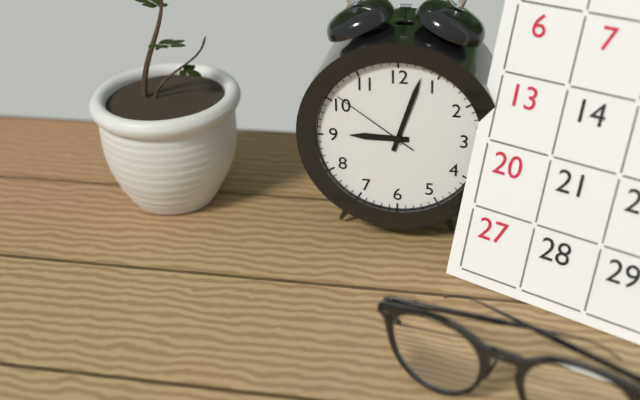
h=9 m=3 s=51
